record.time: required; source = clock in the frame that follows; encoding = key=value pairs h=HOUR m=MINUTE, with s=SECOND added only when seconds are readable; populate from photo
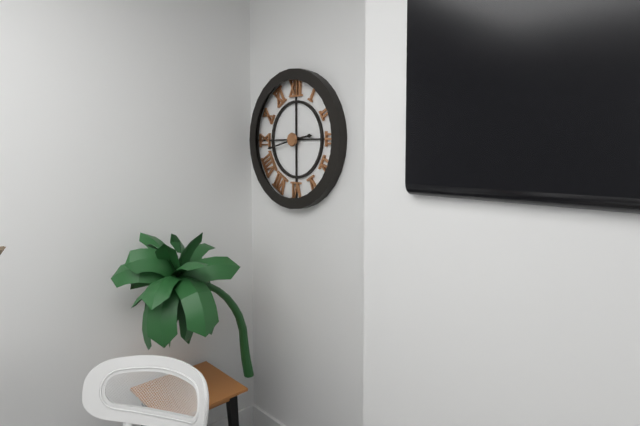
h=2 m=43
